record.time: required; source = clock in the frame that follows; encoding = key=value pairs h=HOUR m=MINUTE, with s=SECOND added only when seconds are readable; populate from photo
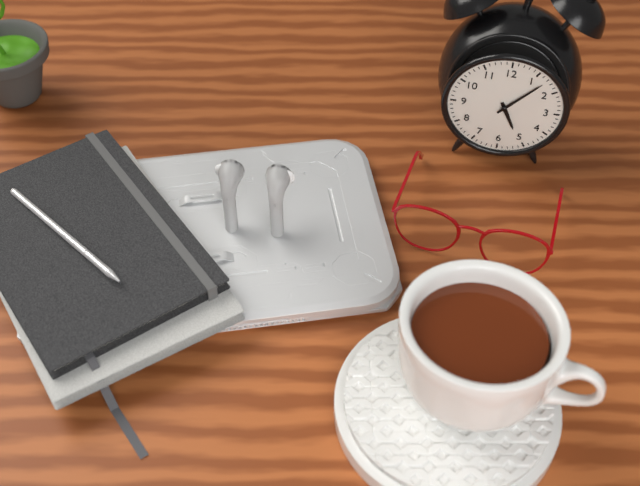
h=5 m=7
